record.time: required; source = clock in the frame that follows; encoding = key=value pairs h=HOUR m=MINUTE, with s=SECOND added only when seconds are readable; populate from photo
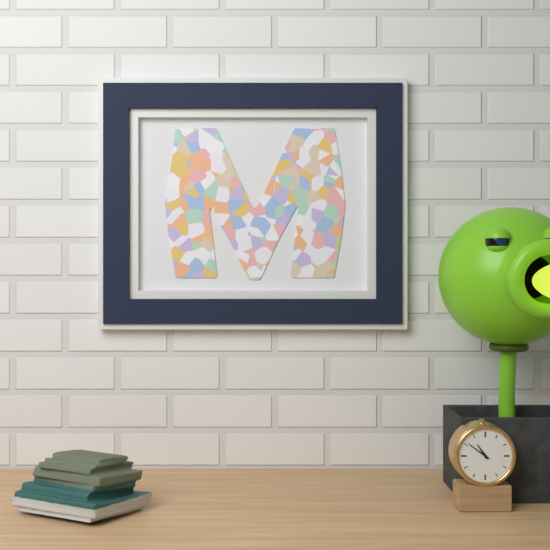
h=10 m=51
